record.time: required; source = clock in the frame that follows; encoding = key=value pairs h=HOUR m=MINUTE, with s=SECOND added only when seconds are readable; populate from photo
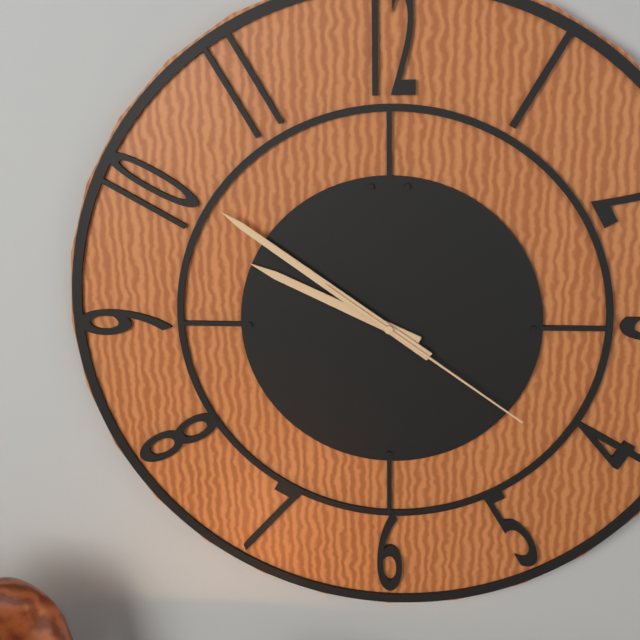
h=9 m=51 s=21
